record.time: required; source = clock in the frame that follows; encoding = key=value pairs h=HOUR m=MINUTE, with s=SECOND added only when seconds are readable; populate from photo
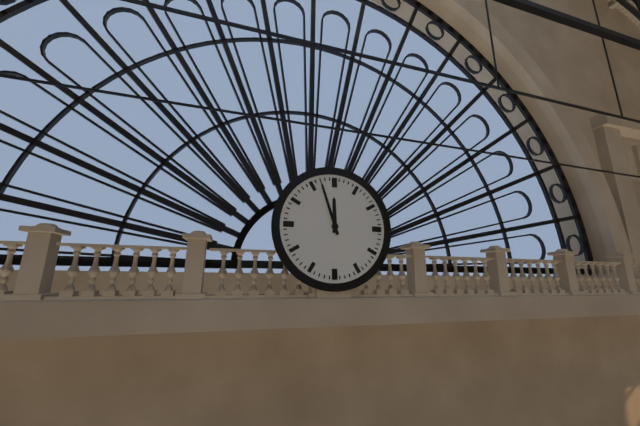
h=11 m=57
